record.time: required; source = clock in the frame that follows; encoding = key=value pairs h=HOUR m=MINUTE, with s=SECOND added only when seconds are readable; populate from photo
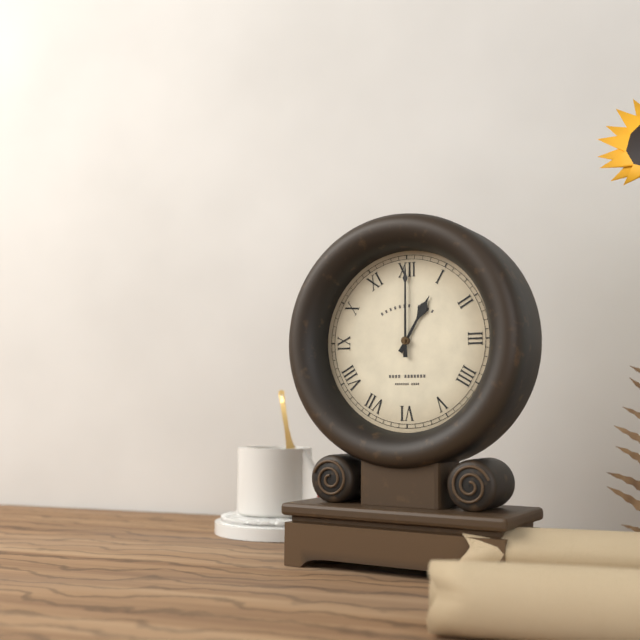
h=1 m=0
